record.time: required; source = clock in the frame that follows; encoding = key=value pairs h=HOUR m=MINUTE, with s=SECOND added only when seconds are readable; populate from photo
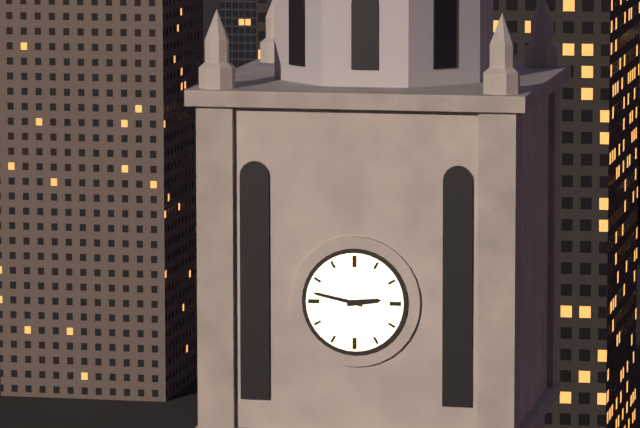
h=2 m=47
